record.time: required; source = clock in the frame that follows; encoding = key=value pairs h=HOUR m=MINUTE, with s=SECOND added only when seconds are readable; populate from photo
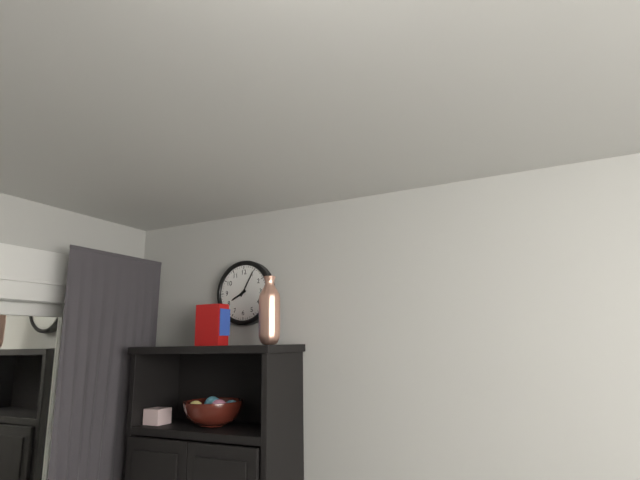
h=8 m=5
